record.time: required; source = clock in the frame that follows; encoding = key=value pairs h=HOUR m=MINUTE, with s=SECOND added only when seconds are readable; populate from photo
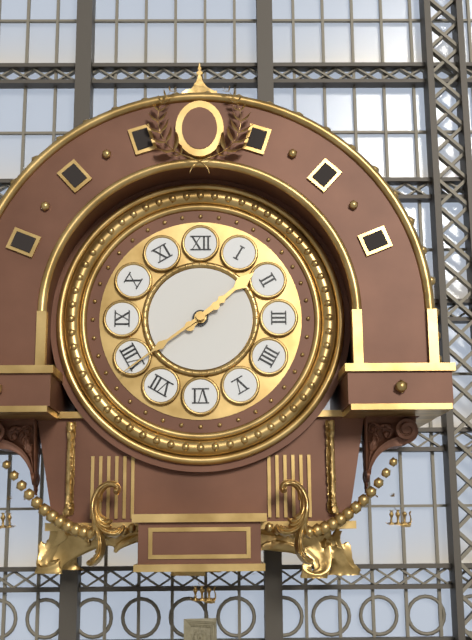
h=1 m=39
